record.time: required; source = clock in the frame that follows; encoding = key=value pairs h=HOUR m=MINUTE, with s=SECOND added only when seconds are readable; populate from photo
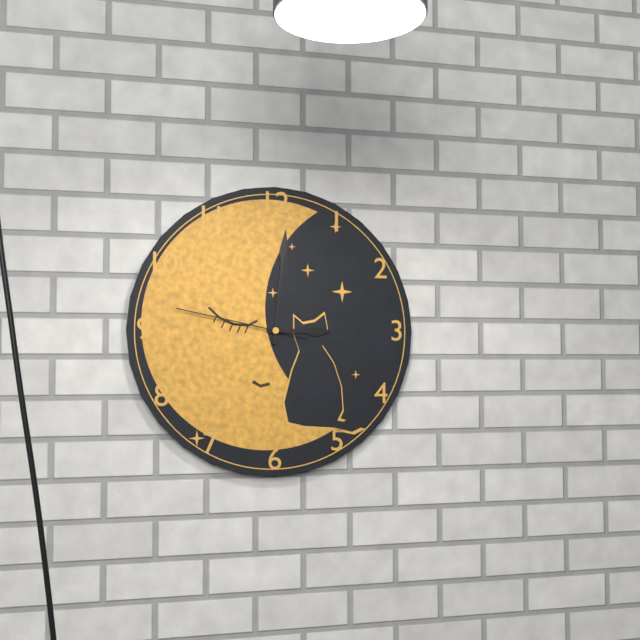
h=3 m=1 s=47
